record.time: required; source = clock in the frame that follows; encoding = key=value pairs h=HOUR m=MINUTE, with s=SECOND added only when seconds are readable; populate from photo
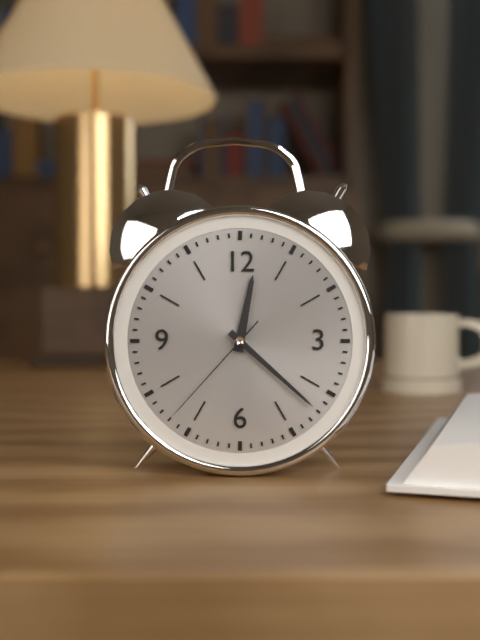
h=12 m=22 s=37
